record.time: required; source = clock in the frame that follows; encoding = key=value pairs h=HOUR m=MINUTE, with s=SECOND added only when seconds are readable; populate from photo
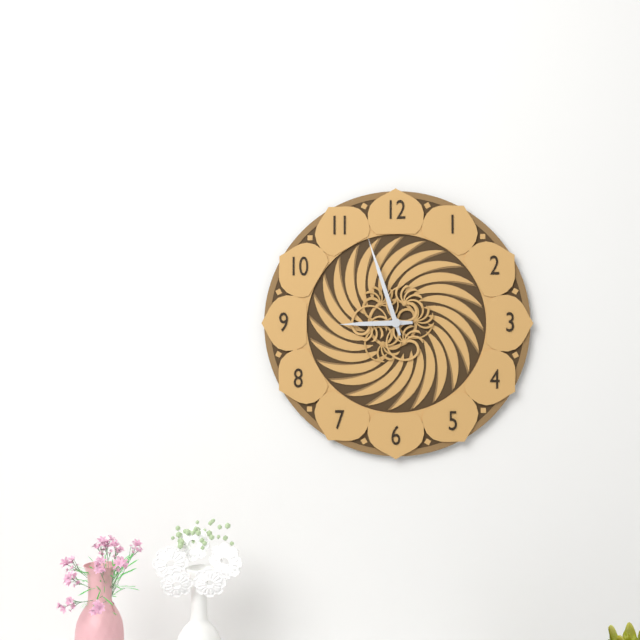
h=8 m=57
